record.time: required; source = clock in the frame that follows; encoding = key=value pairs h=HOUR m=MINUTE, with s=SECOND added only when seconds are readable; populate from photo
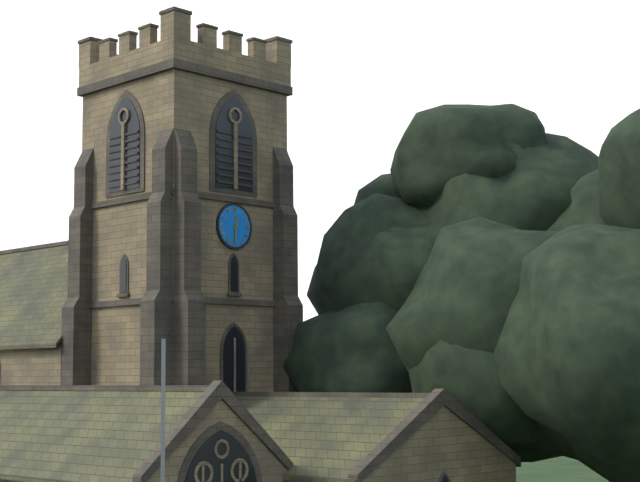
h=12 m=30
